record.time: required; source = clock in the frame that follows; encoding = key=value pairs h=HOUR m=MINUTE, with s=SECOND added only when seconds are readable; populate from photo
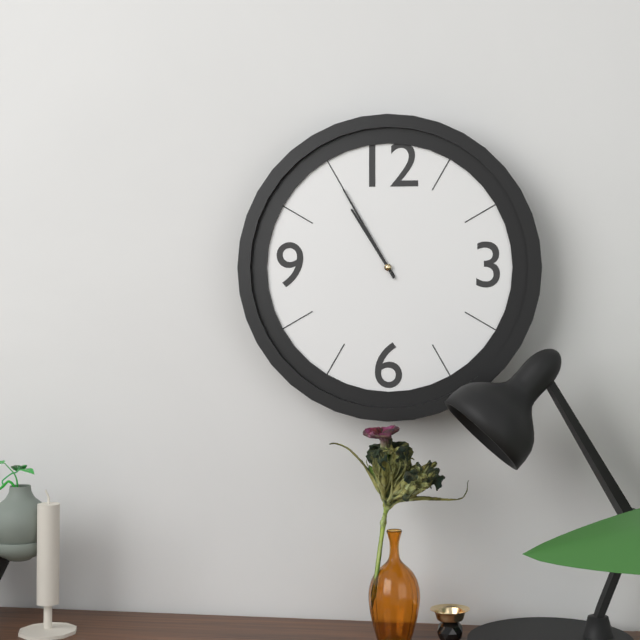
h=10 m=55
